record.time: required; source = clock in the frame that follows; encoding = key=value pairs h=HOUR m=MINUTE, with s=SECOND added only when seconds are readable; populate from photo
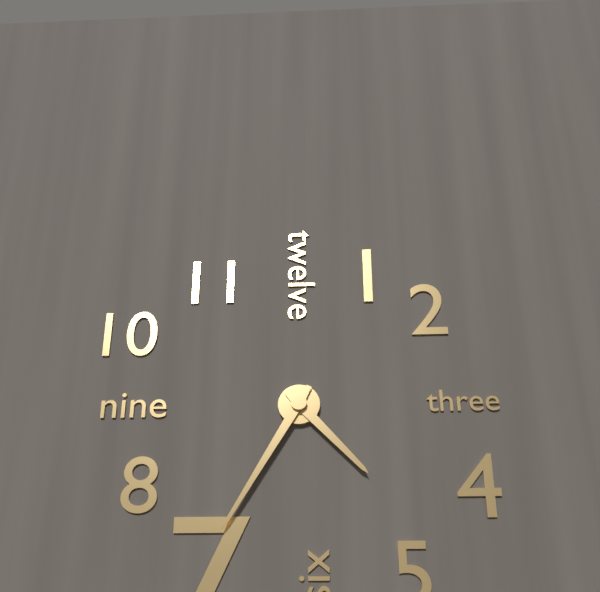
h=4 m=35
